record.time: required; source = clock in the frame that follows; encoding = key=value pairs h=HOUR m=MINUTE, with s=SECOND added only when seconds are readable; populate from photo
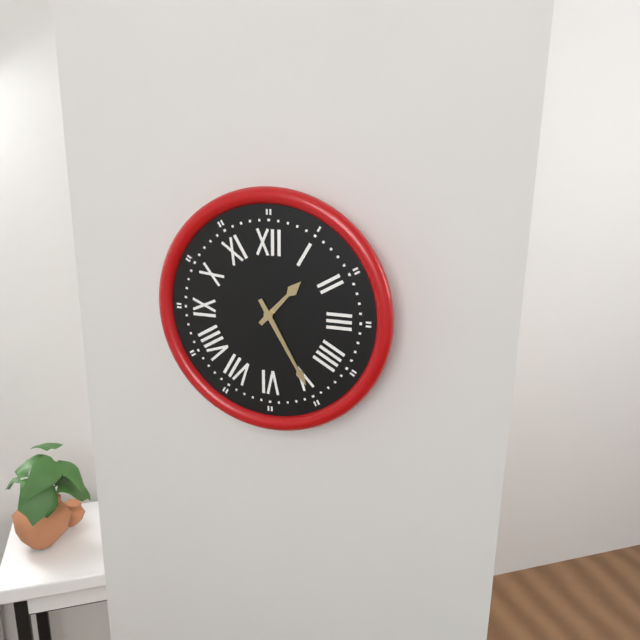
h=1 m=25
